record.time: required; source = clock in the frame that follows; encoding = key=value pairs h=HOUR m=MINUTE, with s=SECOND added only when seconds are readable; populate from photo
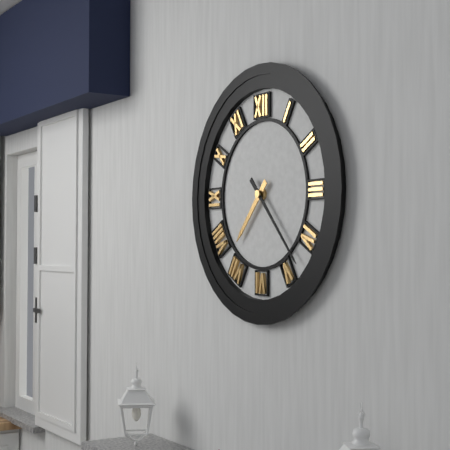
h=7 m=23
